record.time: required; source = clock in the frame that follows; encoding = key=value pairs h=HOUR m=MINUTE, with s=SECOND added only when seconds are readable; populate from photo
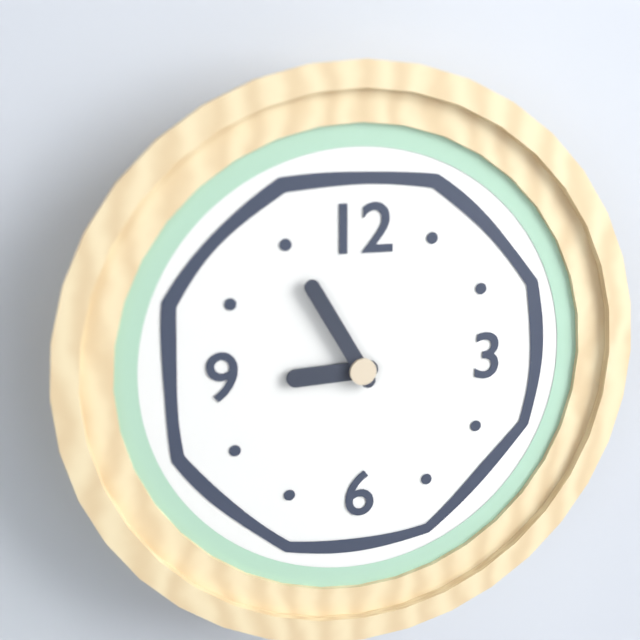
h=8 m=55
